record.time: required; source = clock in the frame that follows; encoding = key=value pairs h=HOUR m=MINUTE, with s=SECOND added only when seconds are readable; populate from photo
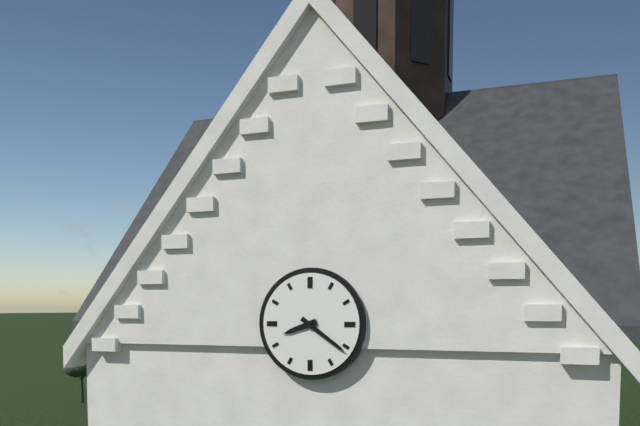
h=8 m=21
